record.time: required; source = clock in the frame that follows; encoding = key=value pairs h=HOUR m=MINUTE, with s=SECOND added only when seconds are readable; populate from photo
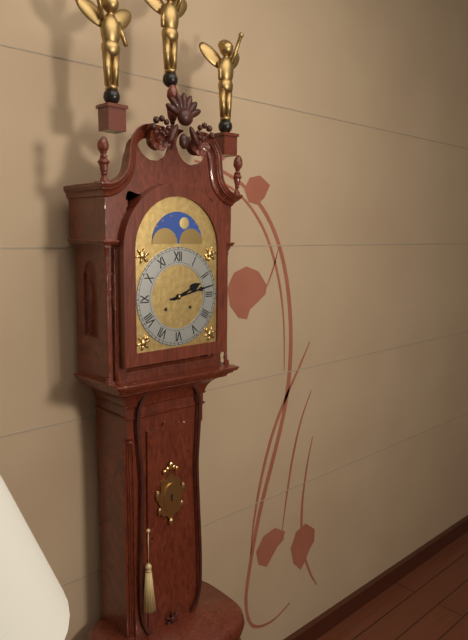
h=2 m=13
